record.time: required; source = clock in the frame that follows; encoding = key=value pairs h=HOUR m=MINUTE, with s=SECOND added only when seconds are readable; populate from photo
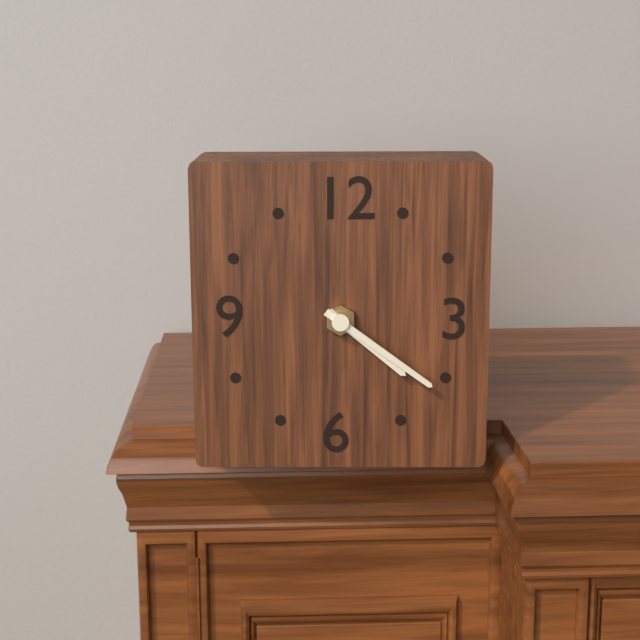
h=4 m=21
